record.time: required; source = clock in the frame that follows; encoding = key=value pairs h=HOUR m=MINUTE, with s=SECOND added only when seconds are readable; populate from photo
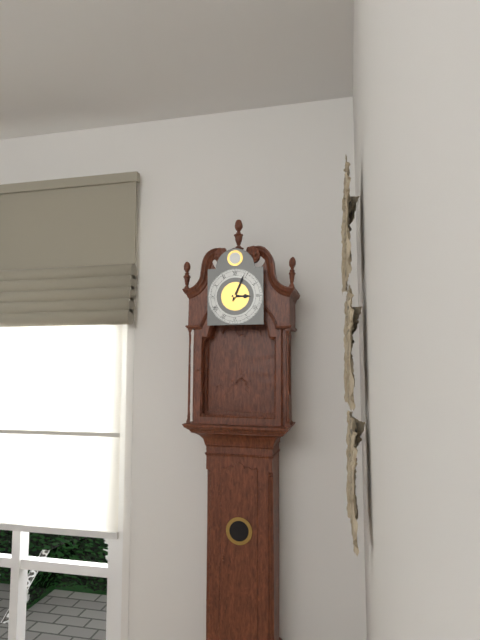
h=3 m=4
